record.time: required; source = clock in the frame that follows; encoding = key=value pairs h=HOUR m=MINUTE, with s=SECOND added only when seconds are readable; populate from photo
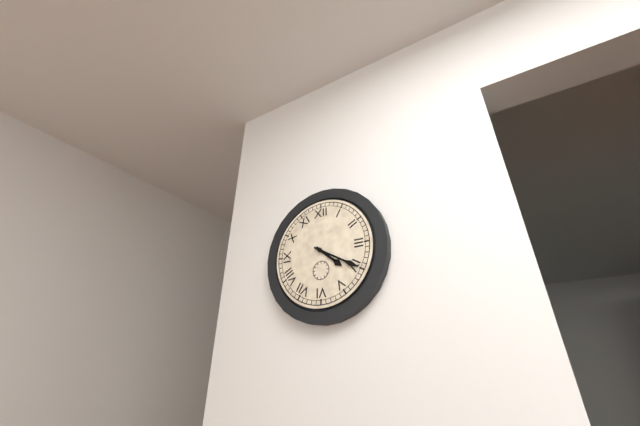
h=4 m=20
